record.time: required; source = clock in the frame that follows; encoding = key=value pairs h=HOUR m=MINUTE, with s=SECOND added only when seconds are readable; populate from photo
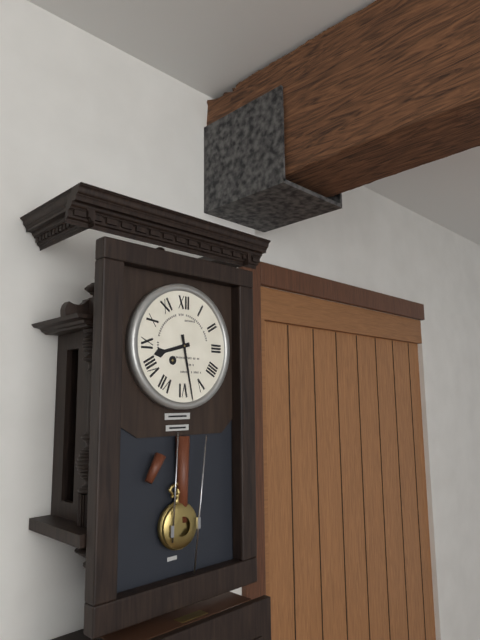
h=8 m=28
